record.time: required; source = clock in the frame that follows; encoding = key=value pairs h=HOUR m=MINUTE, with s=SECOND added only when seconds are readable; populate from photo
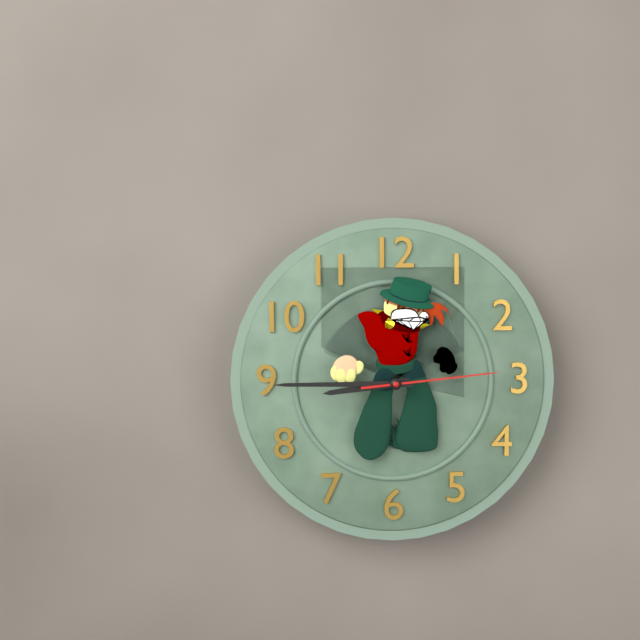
h=8 m=45 s=14
